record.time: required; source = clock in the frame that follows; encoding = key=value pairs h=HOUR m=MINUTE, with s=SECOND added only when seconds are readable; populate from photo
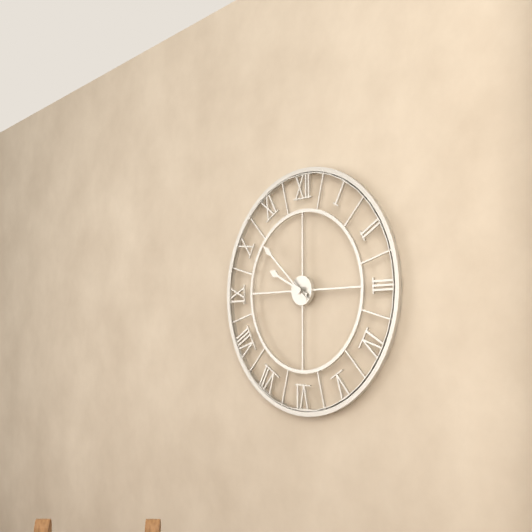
h=9 m=52
